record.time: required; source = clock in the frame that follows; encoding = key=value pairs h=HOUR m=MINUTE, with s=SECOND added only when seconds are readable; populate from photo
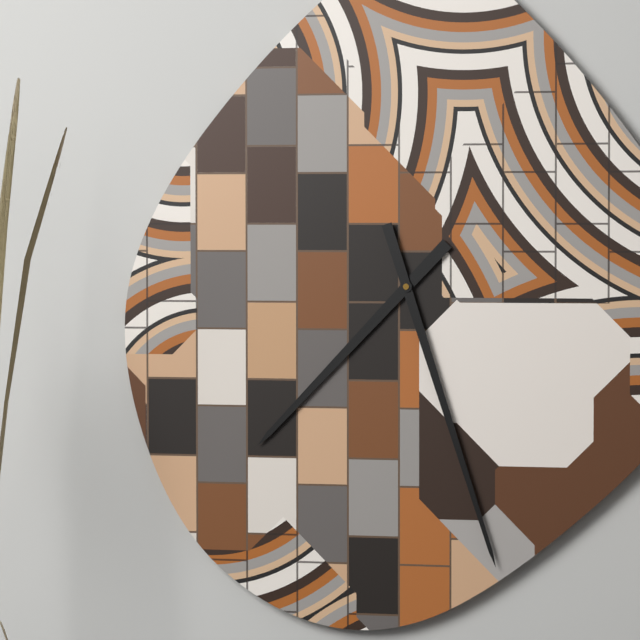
h=7 m=27
